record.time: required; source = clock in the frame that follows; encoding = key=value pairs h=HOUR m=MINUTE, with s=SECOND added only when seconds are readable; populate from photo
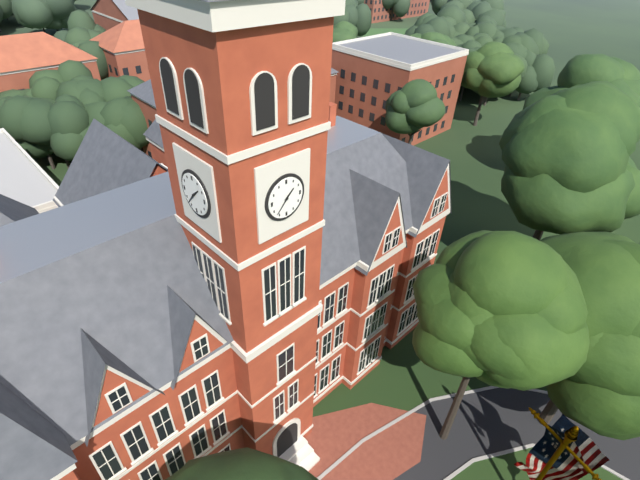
h=1 m=37
